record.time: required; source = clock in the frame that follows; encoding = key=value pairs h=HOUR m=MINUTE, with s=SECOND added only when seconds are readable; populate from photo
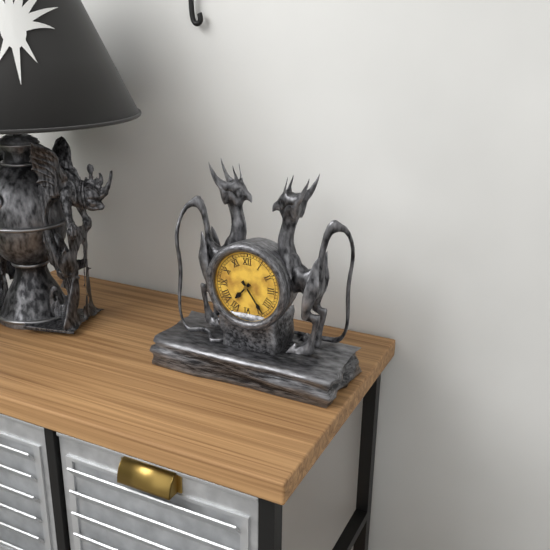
h=7 m=24
